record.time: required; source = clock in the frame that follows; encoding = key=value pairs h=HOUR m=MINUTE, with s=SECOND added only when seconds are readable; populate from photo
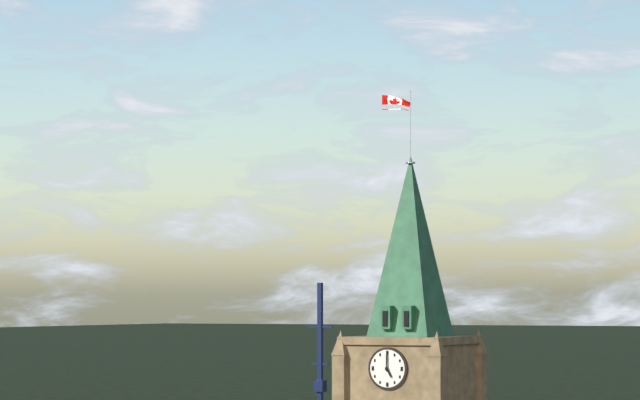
h=5 m=0
